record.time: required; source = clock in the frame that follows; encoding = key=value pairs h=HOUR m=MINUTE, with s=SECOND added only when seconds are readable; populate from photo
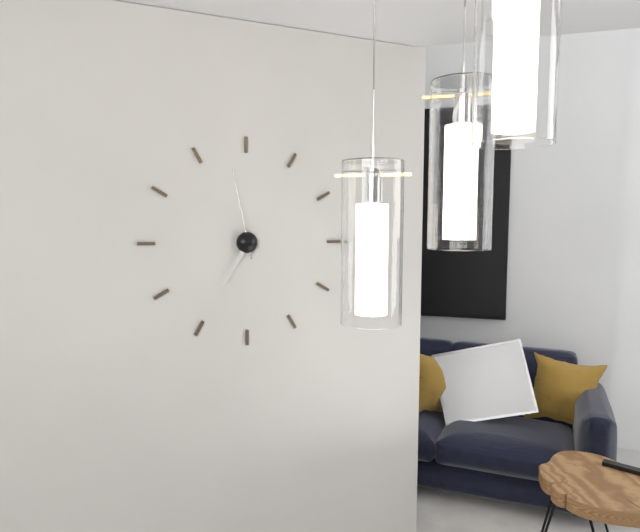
h=6 m=58
